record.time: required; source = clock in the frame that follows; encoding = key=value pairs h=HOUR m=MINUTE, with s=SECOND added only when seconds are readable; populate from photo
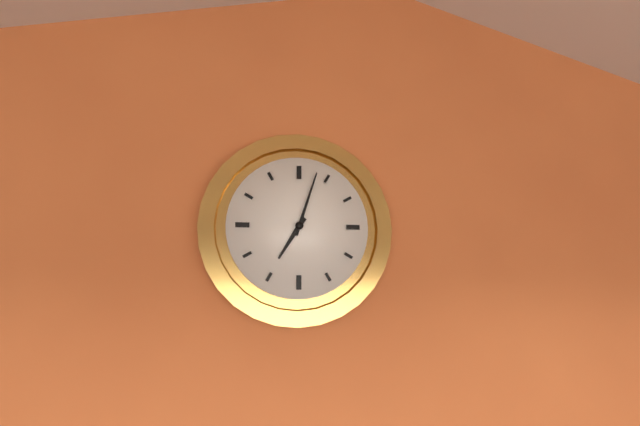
h=7 m=3
